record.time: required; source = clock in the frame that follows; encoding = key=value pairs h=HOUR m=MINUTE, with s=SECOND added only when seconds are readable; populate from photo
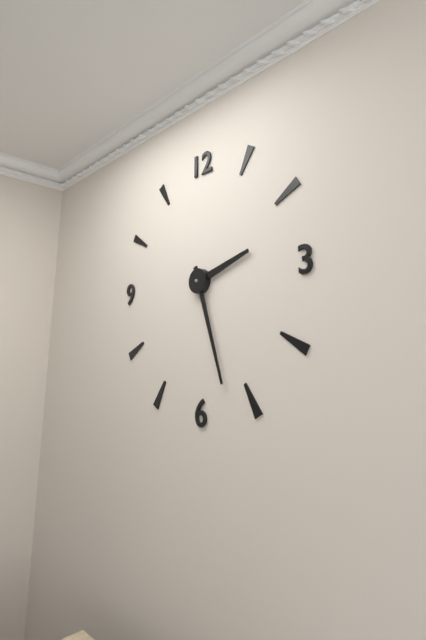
h=2 m=27
